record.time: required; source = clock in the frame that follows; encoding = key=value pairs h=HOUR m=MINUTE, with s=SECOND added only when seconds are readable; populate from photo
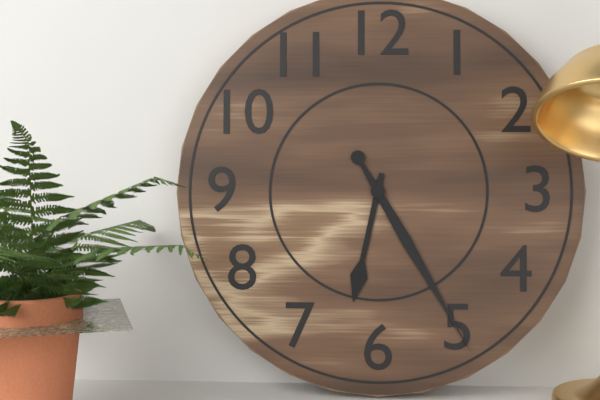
h=6 m=25
